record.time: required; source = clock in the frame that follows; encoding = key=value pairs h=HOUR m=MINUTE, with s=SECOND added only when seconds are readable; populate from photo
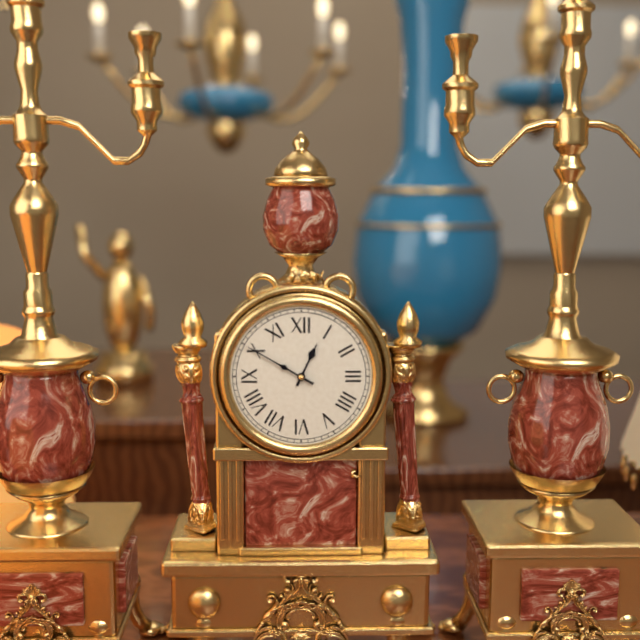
h=12 m=50
